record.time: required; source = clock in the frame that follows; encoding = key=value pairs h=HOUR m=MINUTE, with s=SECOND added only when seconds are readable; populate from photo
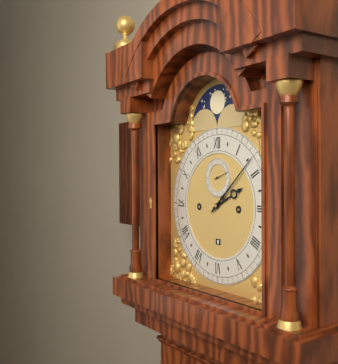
h=2 m=8
